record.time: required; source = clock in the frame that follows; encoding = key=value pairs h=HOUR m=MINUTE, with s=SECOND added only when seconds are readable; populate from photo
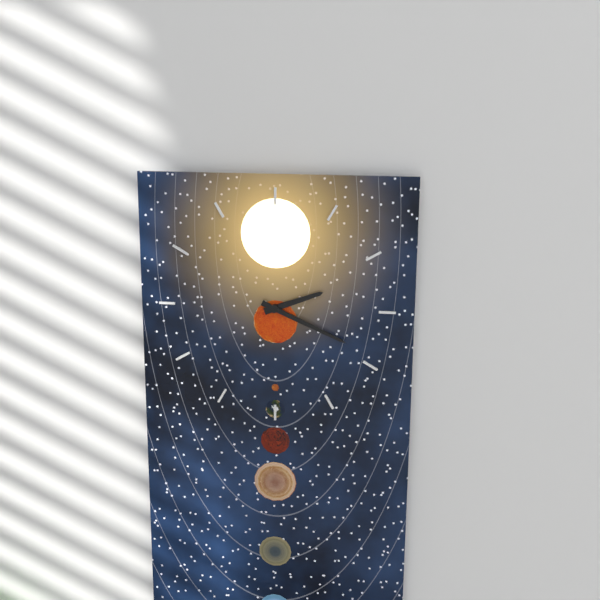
h=2 m=19
